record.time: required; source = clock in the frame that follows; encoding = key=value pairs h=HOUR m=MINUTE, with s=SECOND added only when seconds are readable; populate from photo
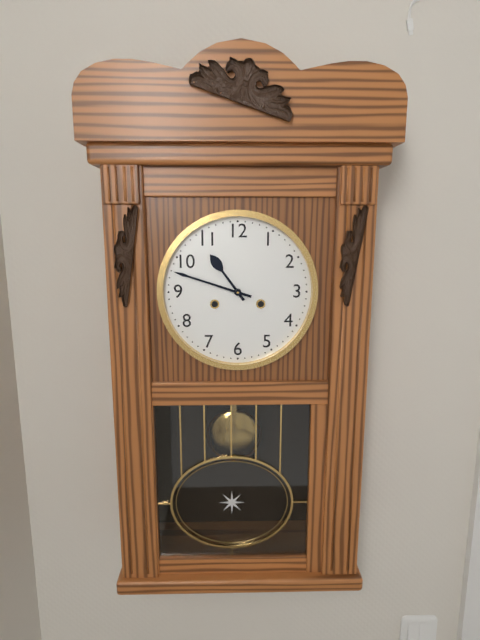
h=10 m=48
